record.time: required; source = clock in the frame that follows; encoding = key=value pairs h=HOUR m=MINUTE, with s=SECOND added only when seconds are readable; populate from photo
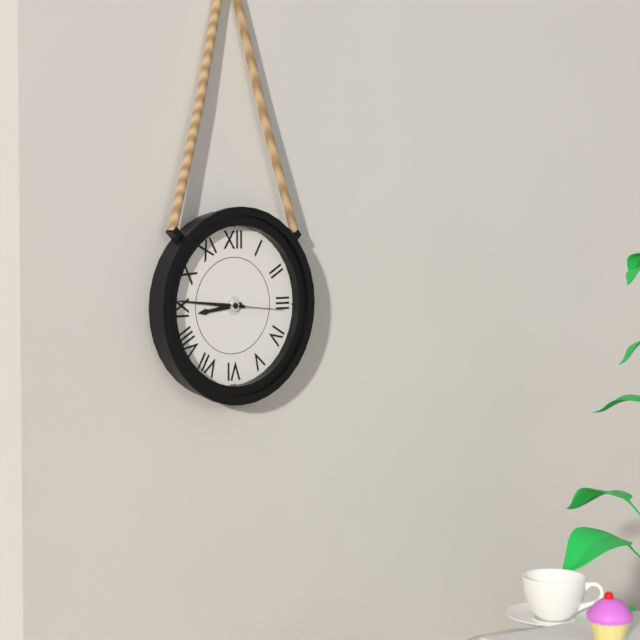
h=8 m=46 s=16
